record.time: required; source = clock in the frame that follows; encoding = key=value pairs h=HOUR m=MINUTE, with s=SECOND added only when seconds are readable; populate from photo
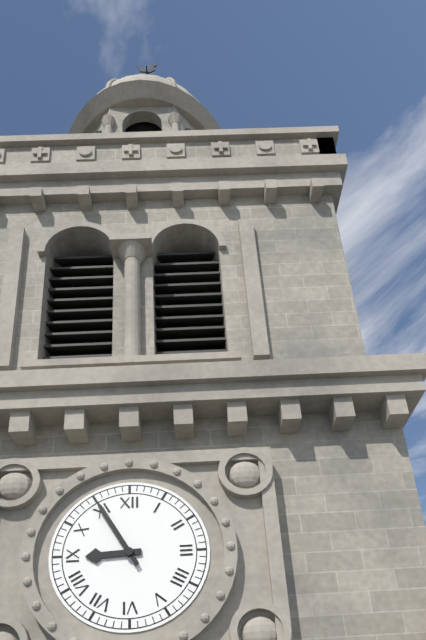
h=8 m=55
